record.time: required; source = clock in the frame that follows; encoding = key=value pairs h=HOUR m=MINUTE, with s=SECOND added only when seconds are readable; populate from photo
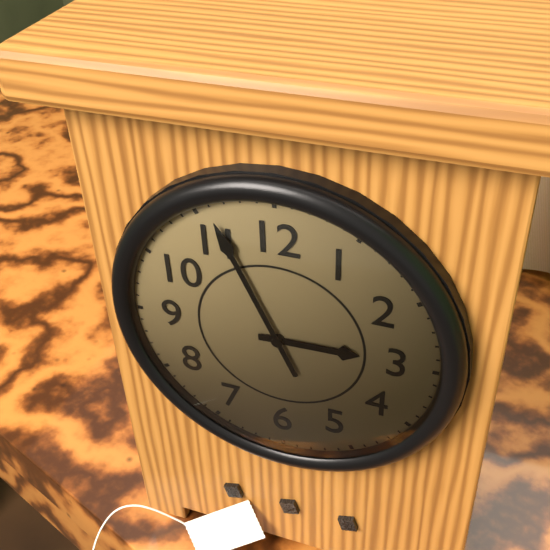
h=2 m=56
